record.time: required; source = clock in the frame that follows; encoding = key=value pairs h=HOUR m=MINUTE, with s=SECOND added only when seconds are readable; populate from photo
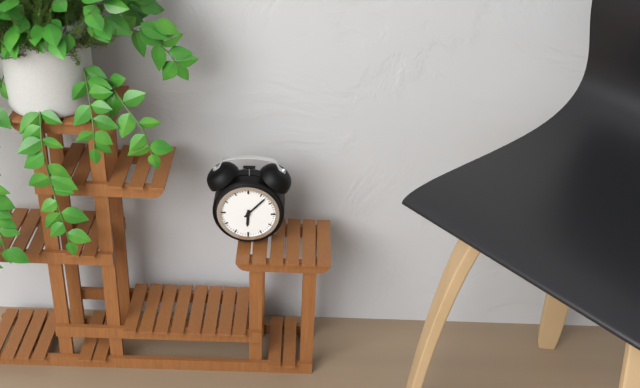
h=6 m=7
